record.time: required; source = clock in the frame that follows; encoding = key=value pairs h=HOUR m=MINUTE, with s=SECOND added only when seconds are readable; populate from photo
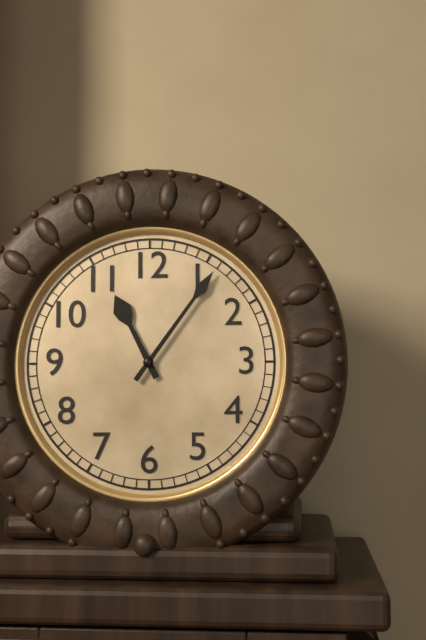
h=11 m=6
